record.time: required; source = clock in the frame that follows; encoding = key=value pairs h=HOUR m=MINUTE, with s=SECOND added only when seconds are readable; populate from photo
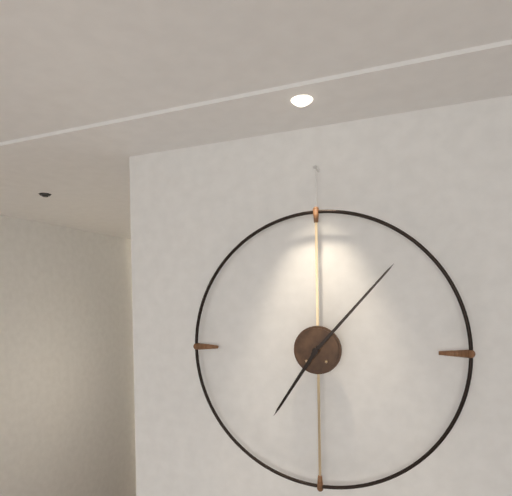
h=7 m=7
